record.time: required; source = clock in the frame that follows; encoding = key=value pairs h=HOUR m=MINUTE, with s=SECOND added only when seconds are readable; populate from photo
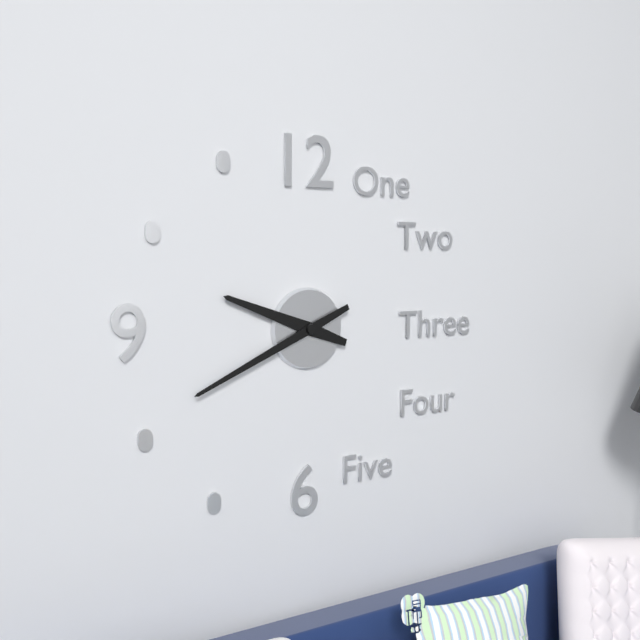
h=9 m=41
